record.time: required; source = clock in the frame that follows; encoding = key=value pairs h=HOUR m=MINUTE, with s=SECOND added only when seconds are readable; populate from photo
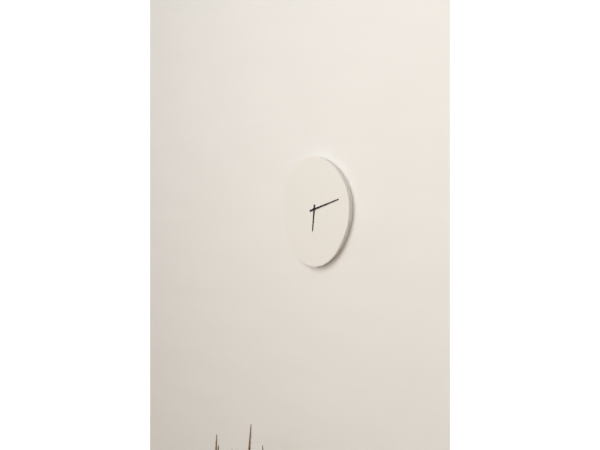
h=6 m=12
